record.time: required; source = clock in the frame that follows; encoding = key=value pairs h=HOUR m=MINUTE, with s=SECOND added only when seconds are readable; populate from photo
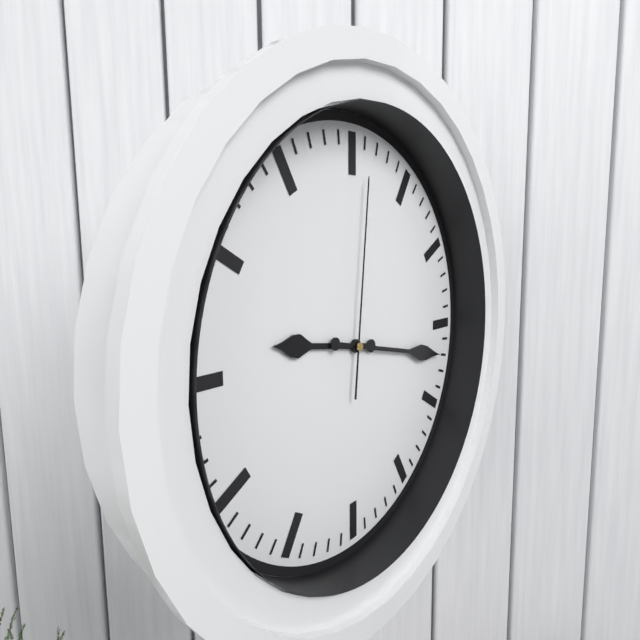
h=9 m=17 s=1
